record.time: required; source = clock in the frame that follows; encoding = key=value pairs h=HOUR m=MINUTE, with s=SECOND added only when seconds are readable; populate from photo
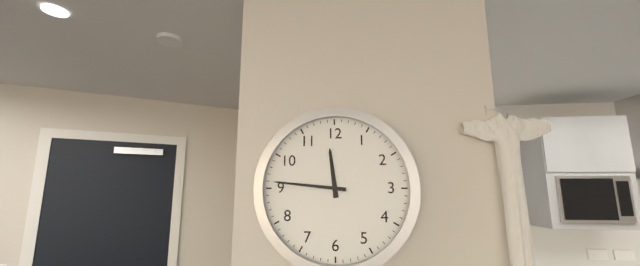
h=11 m=46
